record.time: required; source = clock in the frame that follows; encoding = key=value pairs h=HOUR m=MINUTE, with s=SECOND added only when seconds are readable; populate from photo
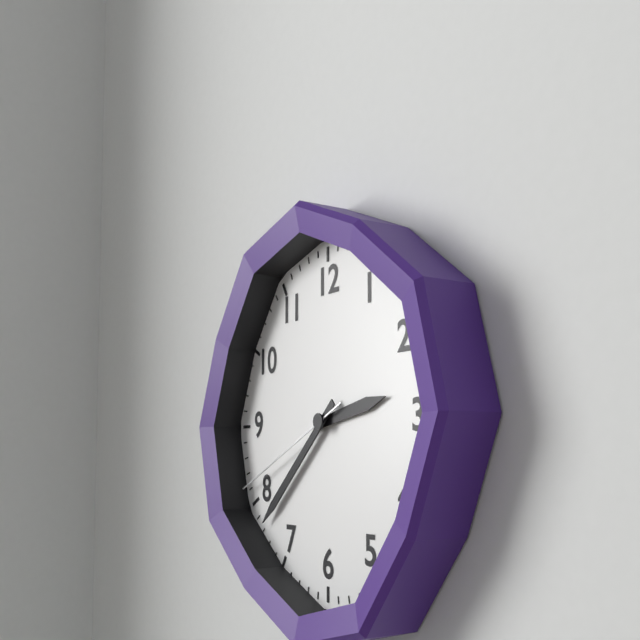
h=2 m=38 s=41
